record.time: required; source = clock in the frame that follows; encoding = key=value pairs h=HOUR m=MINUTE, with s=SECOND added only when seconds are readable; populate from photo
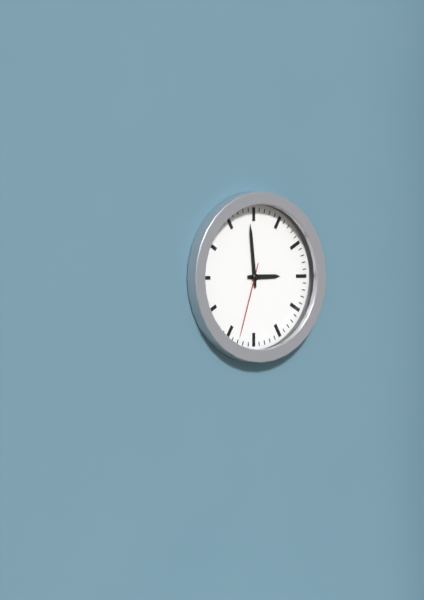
h=2 m=59 s=33
